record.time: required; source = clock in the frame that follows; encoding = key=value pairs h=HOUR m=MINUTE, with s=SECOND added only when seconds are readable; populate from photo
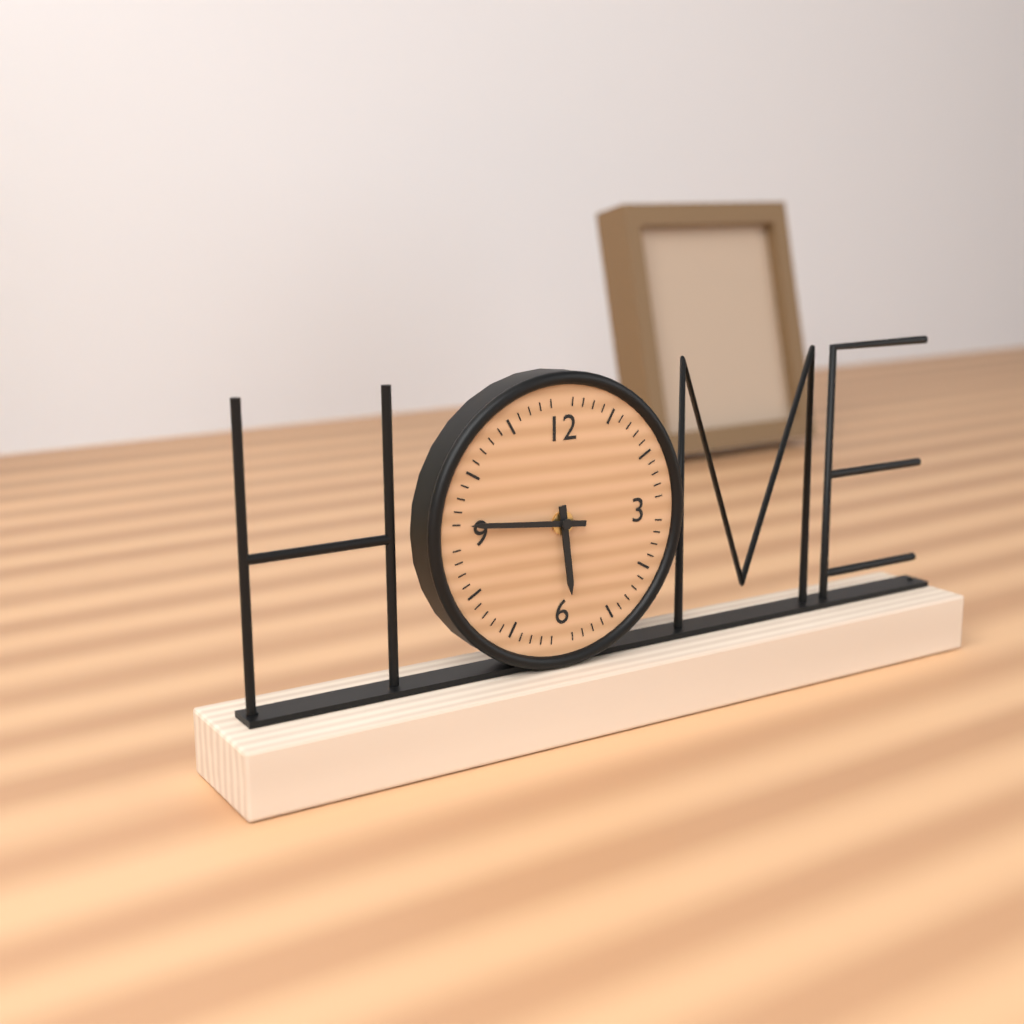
h=5 m=46
